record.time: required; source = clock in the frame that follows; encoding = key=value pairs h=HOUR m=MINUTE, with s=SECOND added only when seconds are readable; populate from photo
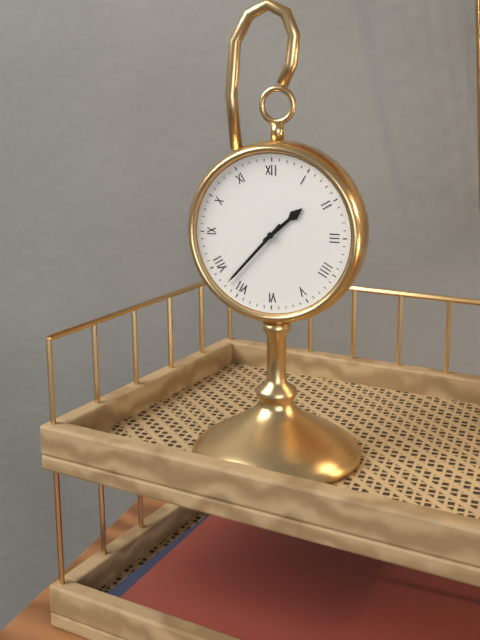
h=1 m=37
